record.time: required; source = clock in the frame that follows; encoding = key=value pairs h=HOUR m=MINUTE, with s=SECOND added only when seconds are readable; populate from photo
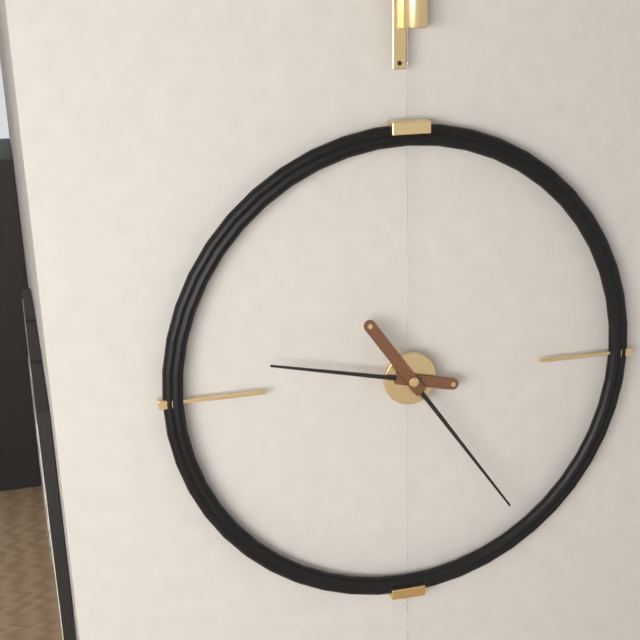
h=9 m=24
